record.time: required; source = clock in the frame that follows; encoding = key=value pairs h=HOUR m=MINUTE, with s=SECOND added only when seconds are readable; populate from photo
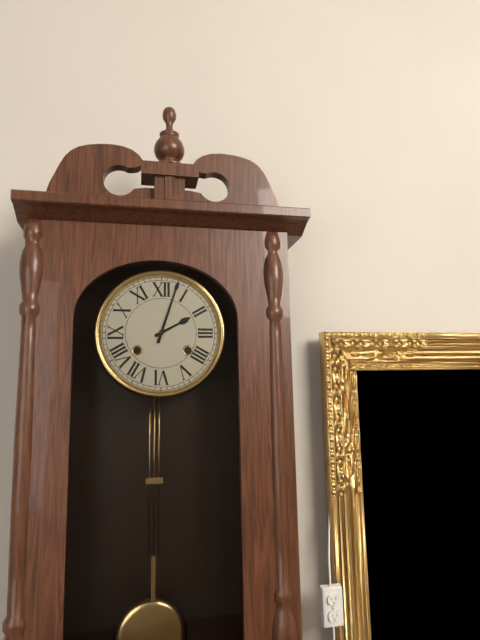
h=2 m=3
